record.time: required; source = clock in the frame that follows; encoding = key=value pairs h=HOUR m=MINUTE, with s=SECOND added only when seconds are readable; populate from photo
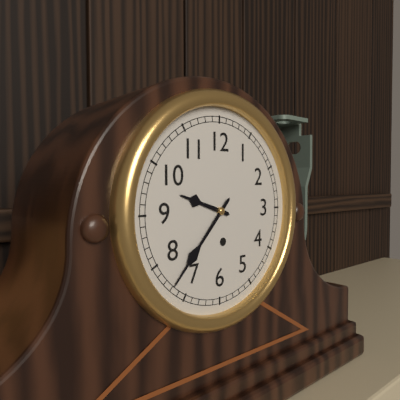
h=9 m=37
